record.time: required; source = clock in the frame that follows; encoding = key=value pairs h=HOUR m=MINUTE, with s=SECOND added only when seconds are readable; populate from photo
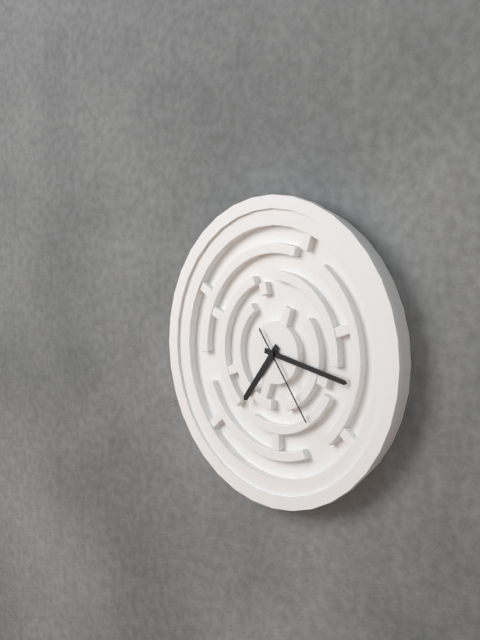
h=7 m=17 s=24
